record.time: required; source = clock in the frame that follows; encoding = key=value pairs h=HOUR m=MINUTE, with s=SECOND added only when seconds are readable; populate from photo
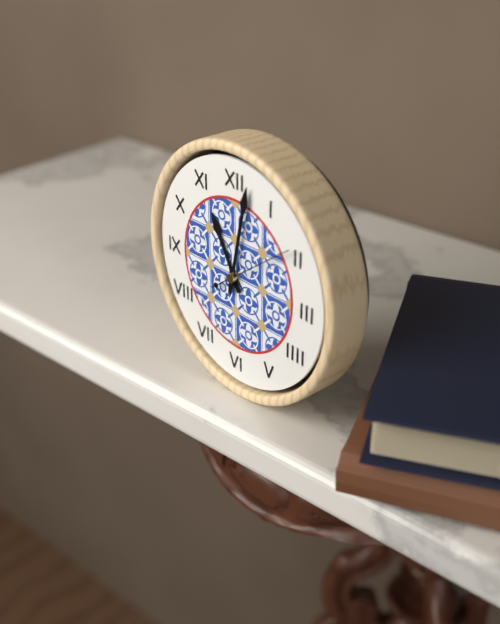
h=11 m=2 s=9
